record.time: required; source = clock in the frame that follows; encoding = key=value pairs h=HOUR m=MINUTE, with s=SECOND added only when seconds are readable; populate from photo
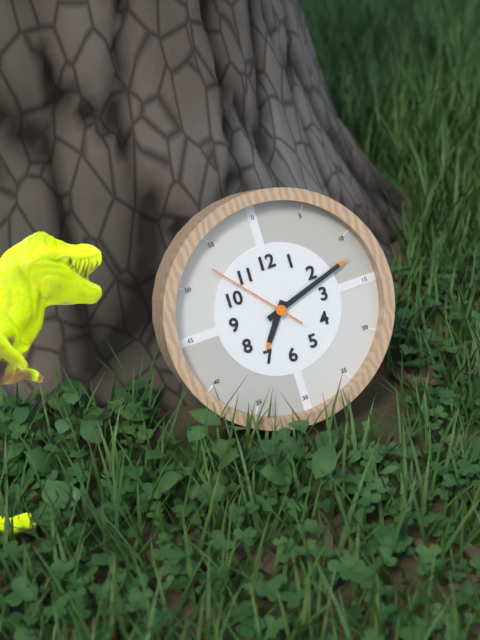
h=7 m=12 s=53
